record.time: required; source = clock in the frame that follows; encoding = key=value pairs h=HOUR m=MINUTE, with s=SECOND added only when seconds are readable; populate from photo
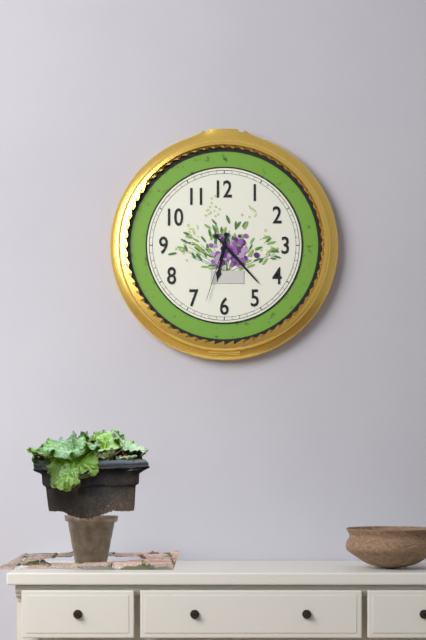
h=6 m=23 s=33
